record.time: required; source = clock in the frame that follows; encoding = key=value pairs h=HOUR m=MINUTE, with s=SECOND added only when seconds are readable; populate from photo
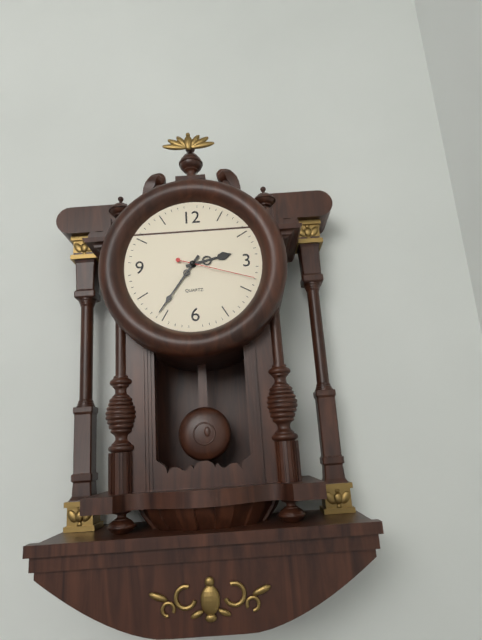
h=2 m=36 s=18
